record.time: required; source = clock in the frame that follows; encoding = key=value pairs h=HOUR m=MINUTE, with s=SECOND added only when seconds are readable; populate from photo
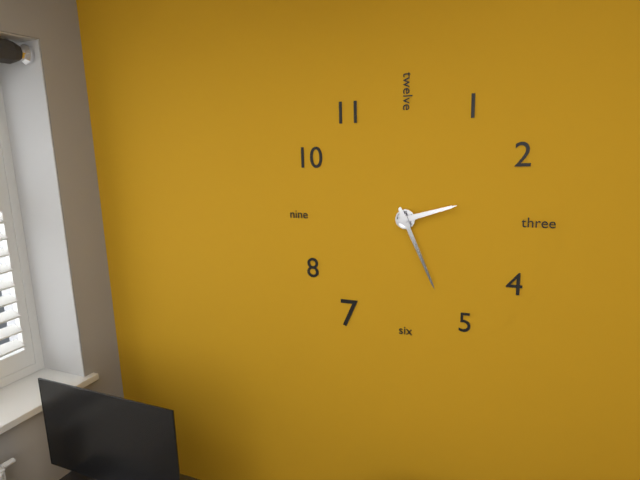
h=2 m=26
